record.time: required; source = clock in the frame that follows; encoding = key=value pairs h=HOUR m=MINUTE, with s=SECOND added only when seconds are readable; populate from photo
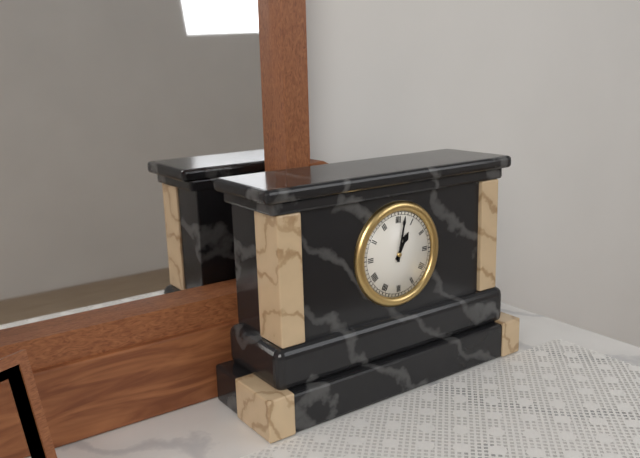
h=1 m=2
